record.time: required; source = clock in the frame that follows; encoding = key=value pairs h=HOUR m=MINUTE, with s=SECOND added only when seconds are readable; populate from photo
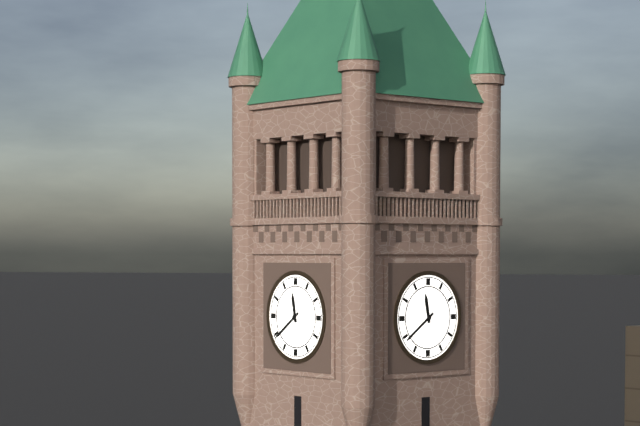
h=11 m=39
